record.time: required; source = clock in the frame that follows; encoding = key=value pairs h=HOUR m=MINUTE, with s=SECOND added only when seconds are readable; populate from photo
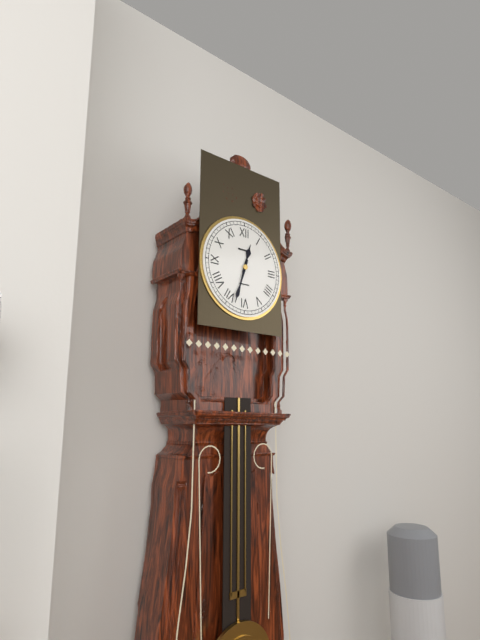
h=12 m=33
